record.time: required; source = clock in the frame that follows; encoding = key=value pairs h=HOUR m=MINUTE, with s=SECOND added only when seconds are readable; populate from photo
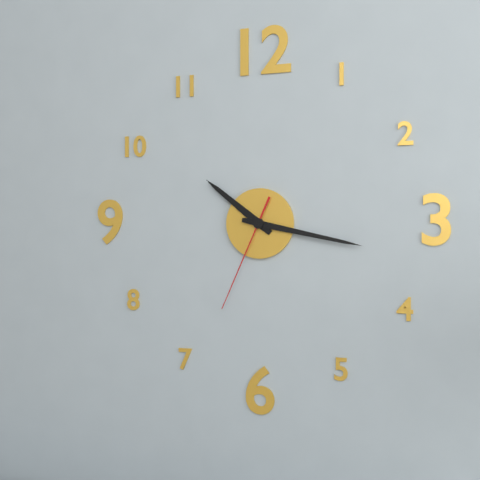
h=10 m=17 s=34
